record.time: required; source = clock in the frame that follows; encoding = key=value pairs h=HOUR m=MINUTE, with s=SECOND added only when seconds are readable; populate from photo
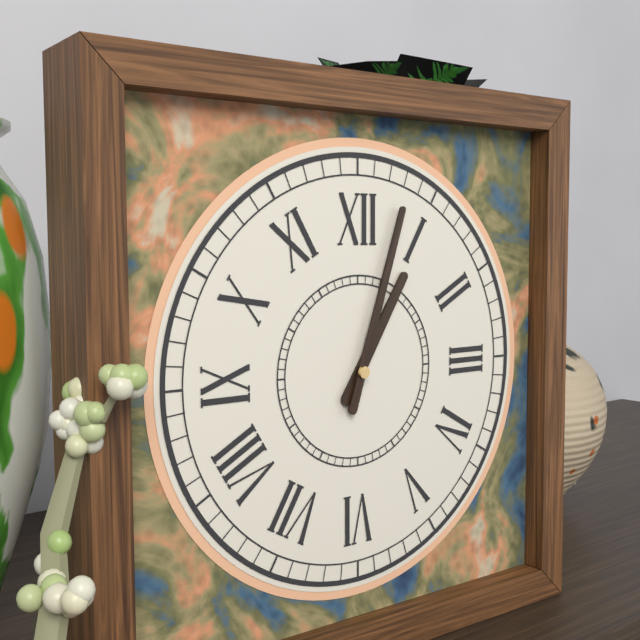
h=1 m=3
